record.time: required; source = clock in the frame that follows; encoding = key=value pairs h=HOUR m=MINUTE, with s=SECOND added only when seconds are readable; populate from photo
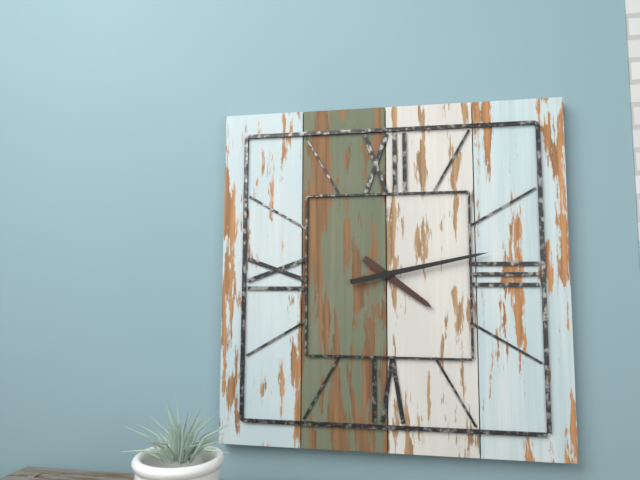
h=4 m=13
